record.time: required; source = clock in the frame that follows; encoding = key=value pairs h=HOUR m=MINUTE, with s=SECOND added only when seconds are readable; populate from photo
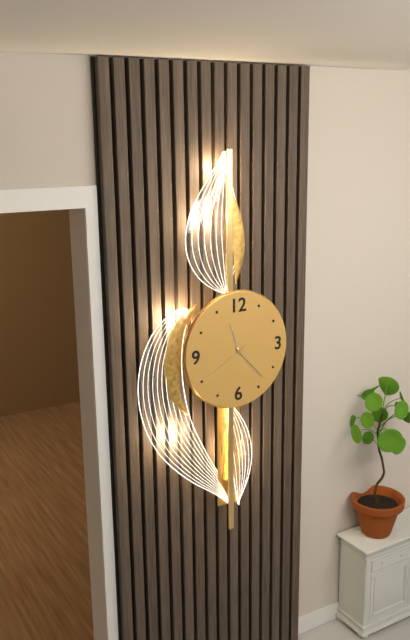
h=11 m=23 s=40
